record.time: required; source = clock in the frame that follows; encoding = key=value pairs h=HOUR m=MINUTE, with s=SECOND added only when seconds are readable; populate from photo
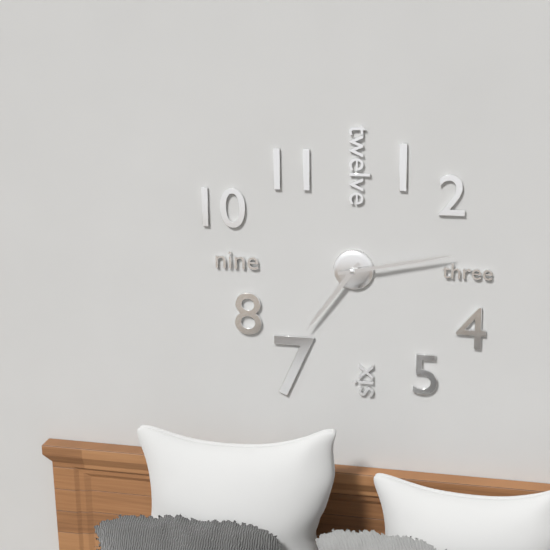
h=7 m=13
